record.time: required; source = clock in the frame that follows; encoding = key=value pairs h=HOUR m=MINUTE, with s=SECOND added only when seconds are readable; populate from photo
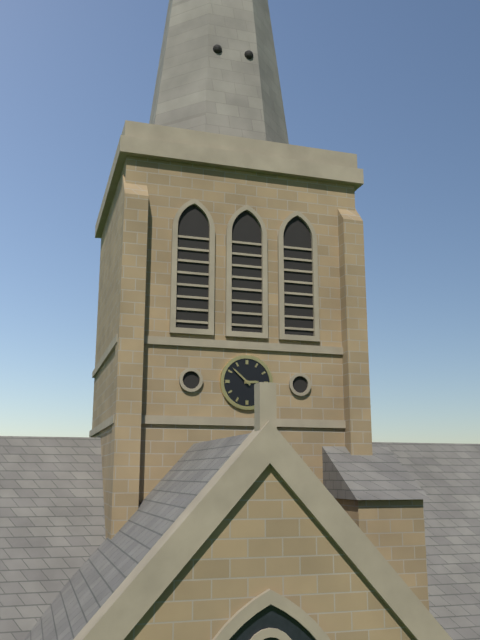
h=2 m=52
